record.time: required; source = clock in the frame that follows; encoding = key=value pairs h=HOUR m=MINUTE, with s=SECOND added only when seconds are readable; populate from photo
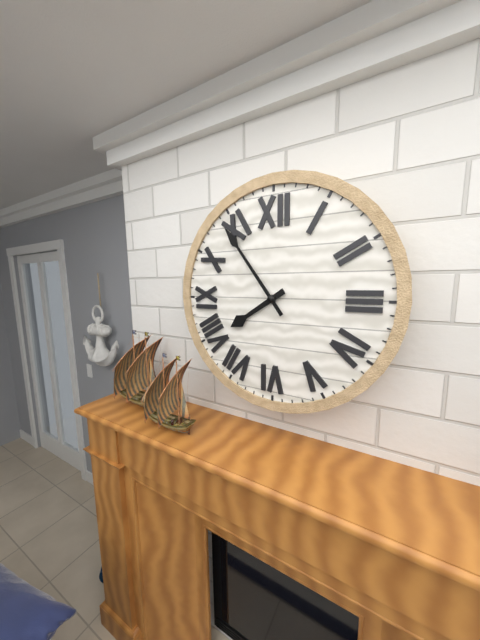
h=7 m=54
